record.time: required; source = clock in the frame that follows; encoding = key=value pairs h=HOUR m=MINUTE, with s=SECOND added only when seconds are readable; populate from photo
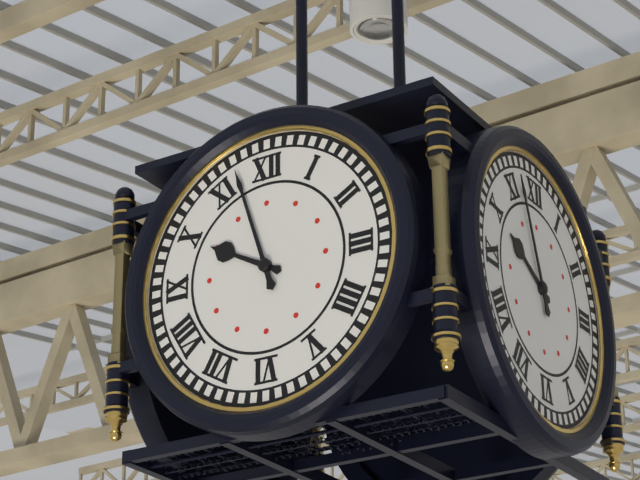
h=9 m=57
